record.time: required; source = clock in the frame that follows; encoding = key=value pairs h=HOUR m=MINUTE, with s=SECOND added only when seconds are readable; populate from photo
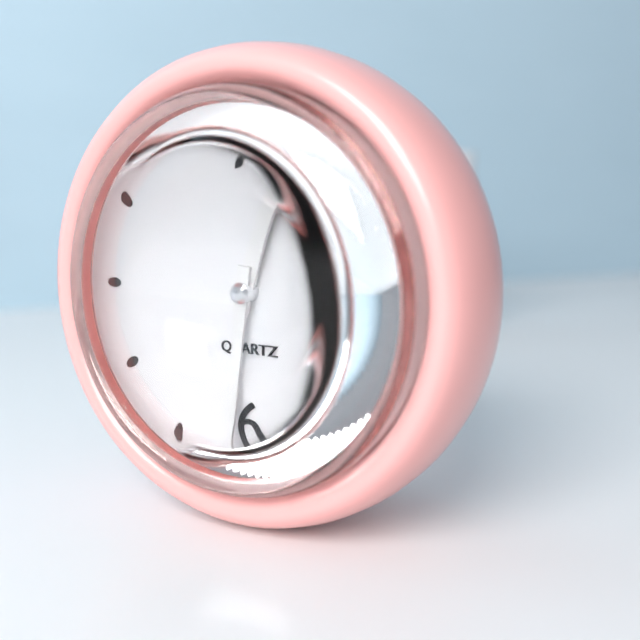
h=12 m=31
